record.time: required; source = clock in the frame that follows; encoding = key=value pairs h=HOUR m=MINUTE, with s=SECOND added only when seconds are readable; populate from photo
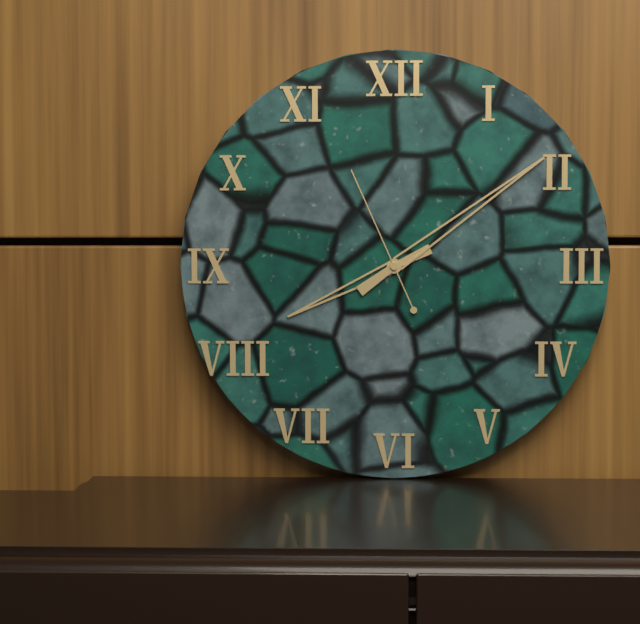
h=8 m=9 s=56
